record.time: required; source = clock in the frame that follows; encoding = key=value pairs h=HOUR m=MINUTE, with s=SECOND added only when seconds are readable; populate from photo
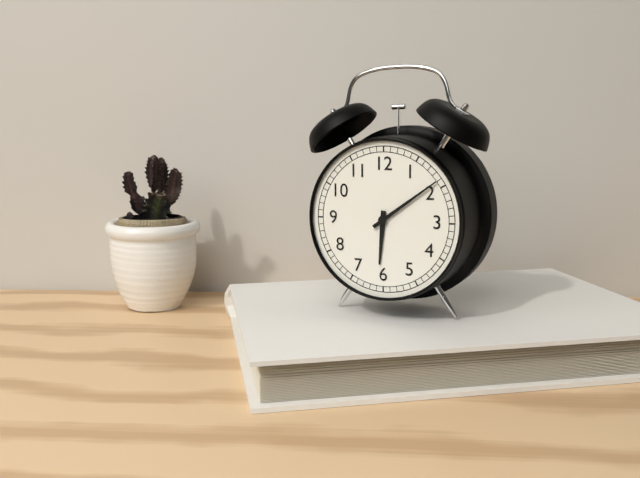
h=6 m=9
